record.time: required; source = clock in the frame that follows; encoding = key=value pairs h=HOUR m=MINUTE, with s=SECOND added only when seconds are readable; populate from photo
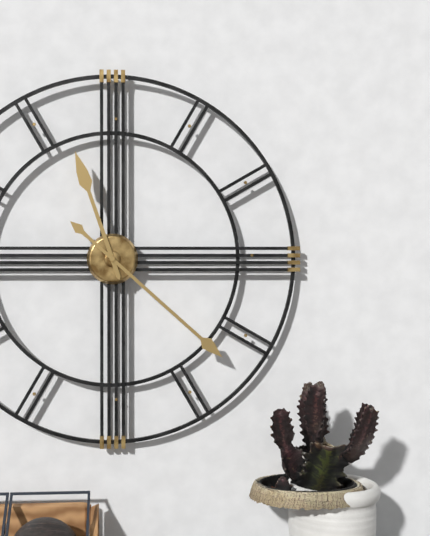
h=11 m=22
